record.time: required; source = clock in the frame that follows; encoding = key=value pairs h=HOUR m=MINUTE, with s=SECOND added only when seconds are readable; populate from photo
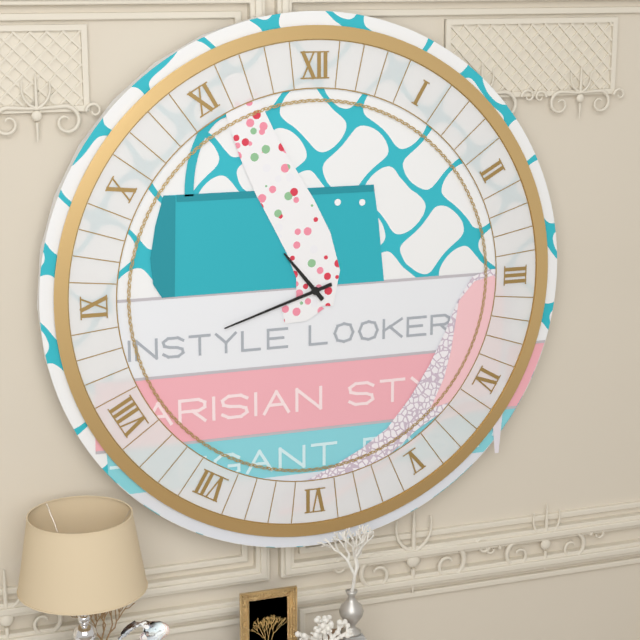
h=10 m=42
